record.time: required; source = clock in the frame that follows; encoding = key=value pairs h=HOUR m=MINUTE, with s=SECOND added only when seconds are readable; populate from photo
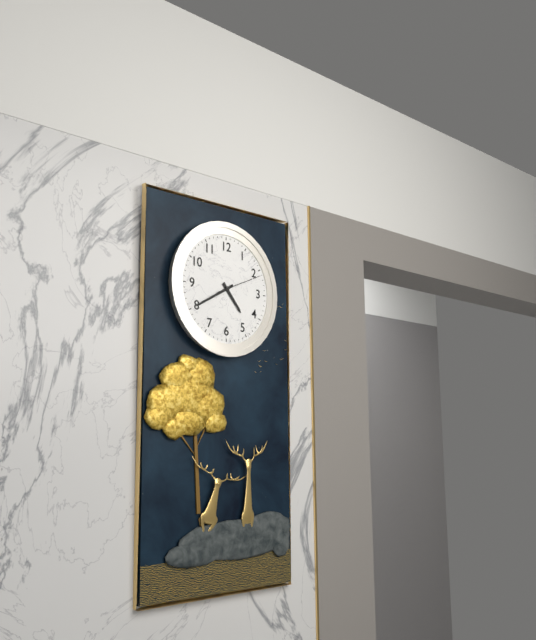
h=4 m=40
